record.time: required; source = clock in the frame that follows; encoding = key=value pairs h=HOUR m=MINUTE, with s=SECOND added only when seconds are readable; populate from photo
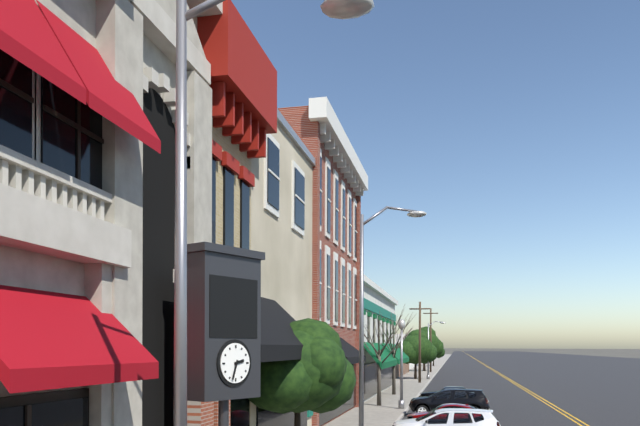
h=2 m=33
